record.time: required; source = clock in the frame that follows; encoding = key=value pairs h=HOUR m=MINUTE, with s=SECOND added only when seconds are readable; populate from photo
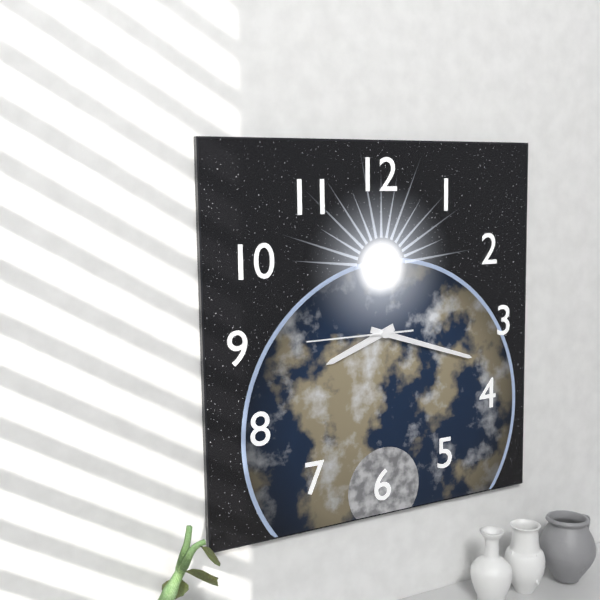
h=8 m=18 s=45
